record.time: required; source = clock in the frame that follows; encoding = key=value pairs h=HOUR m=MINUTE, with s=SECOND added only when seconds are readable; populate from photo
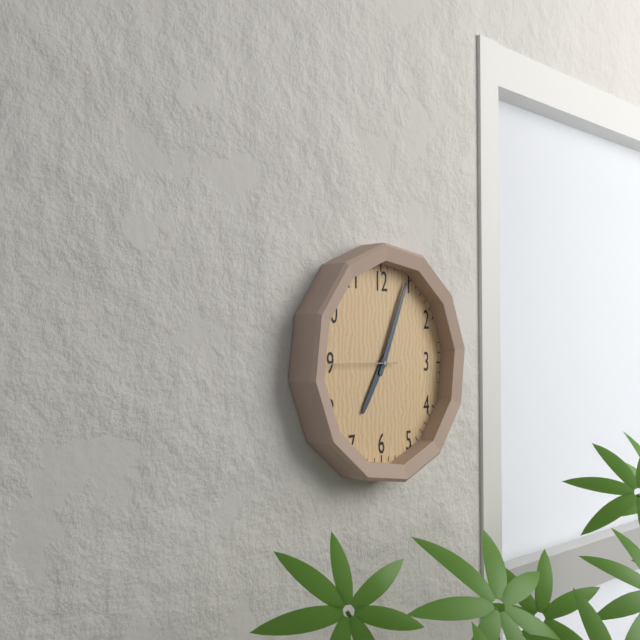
h=7 m=4 s=45
